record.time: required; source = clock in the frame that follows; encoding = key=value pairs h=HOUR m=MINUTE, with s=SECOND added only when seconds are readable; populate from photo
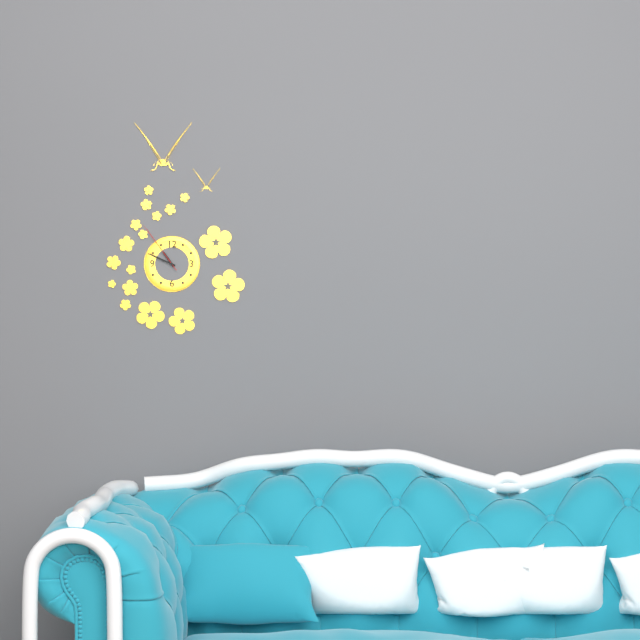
h=10 m=49 s=54
